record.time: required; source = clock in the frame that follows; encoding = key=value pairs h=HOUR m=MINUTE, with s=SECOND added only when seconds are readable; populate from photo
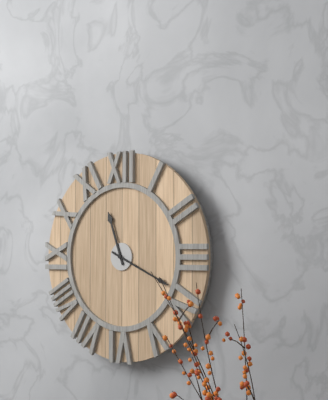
h=11 m=19
